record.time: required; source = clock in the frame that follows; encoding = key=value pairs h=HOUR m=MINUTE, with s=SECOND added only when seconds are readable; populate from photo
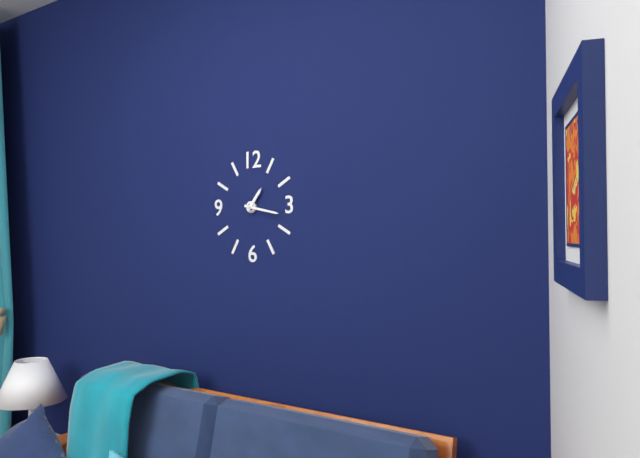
h=1 m=17
